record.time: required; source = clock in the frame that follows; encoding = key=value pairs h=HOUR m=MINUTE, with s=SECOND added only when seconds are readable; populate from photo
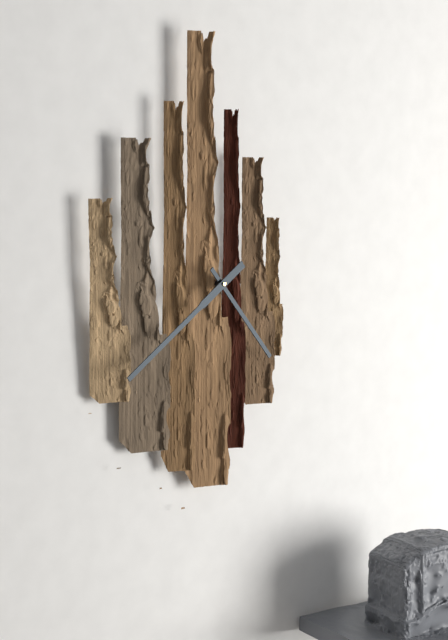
h=4 m=39
